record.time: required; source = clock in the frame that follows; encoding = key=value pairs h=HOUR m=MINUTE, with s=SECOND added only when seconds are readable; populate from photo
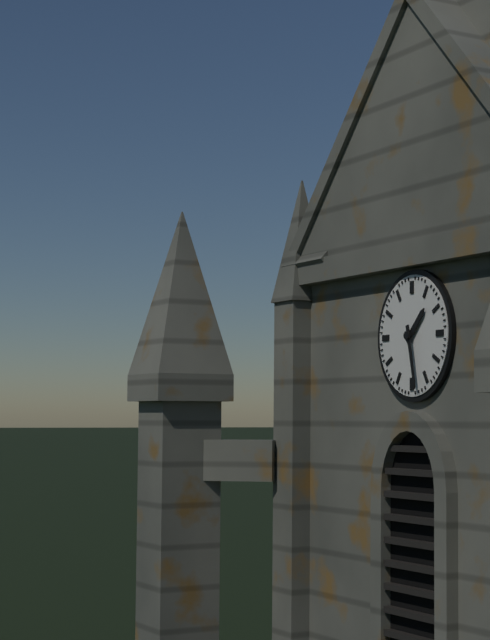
h=1 m=28
